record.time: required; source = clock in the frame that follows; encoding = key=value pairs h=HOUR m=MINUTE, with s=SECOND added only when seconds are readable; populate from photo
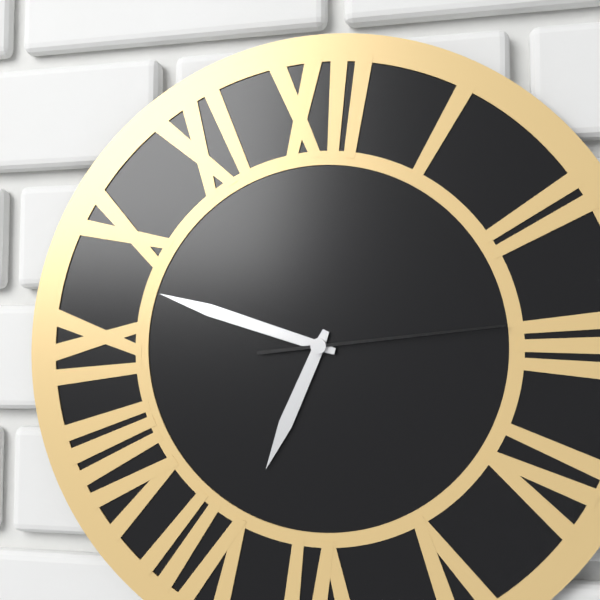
h=6 m=48 s=14
